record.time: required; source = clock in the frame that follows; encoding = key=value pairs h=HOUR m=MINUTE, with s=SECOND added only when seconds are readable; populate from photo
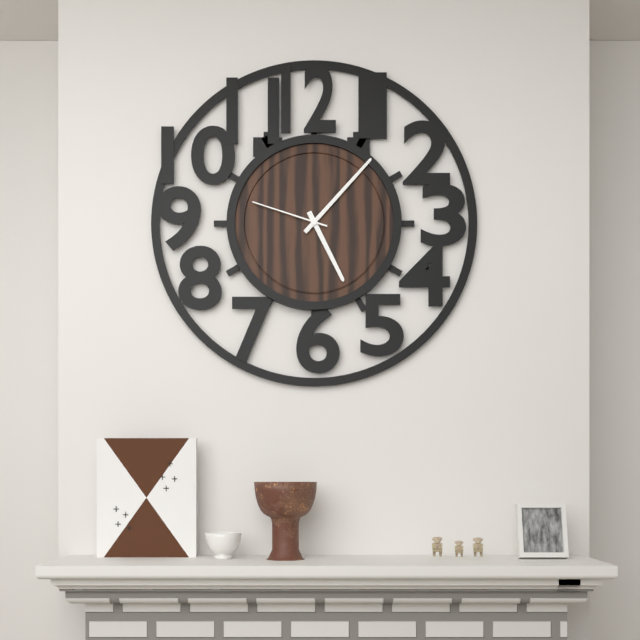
h=5 m=7 s=48
